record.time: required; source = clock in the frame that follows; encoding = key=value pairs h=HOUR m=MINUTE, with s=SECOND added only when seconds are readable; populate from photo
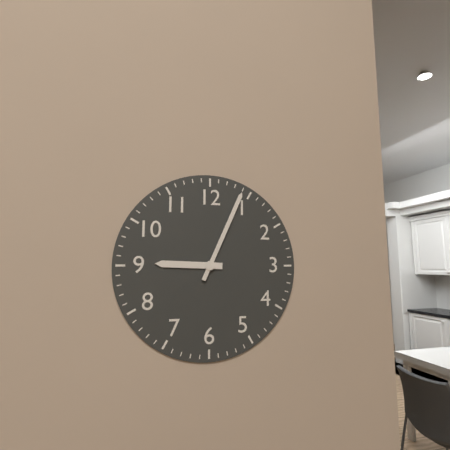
h=9 m=4
